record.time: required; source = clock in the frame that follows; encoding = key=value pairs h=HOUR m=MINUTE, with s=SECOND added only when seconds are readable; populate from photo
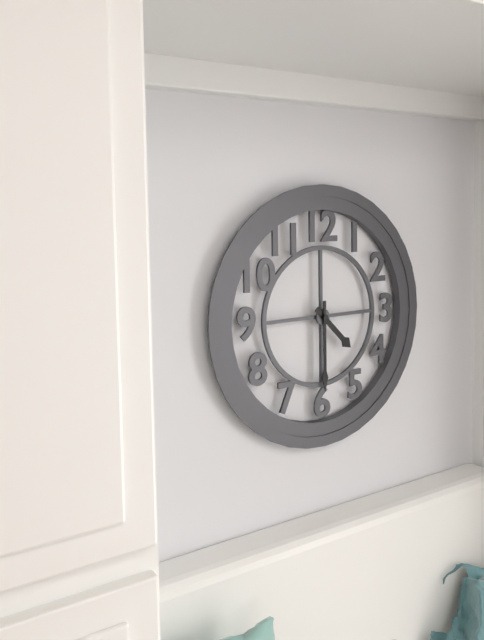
h=4 m=30
